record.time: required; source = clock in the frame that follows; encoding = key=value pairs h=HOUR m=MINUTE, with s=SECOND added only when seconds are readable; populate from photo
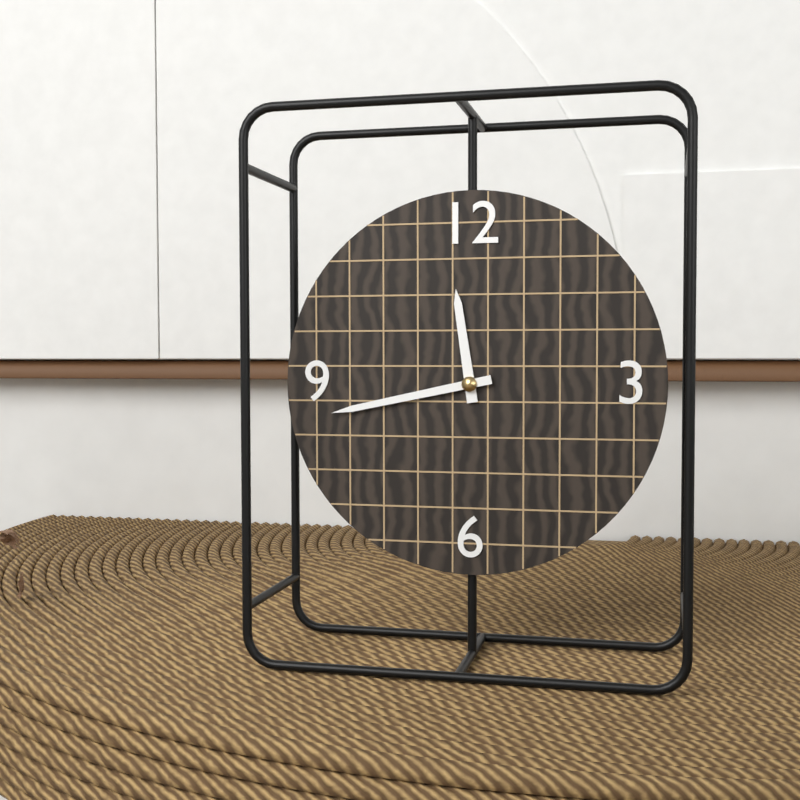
h=11 m=43
